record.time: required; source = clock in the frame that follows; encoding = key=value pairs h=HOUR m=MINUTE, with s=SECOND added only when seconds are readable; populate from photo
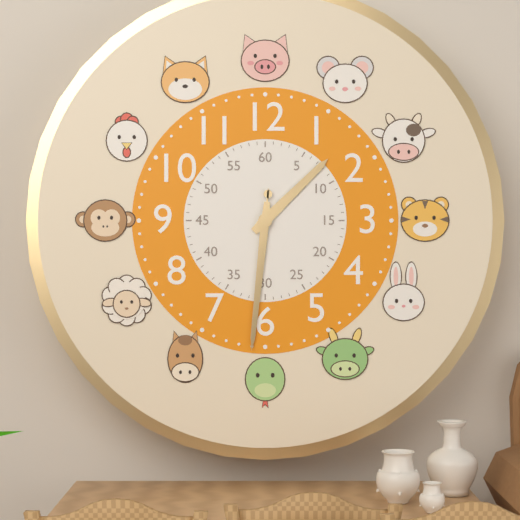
h=1 m=31 s=31
